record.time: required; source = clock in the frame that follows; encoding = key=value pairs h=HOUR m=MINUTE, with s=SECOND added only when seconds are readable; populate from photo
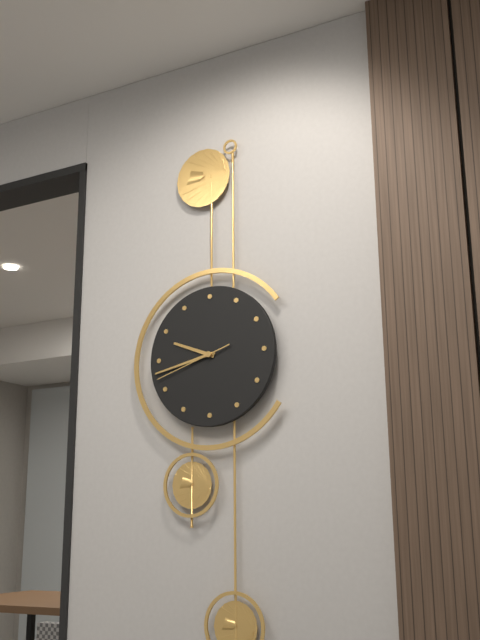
h=9 m=43 s=42
